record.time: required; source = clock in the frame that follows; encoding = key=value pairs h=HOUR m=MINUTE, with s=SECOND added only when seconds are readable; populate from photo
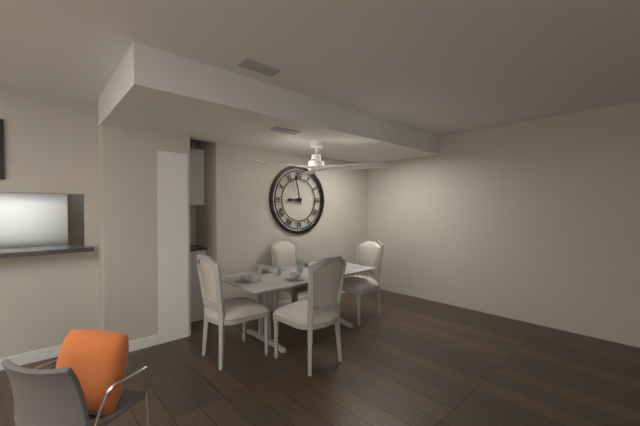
h=8 m=58
